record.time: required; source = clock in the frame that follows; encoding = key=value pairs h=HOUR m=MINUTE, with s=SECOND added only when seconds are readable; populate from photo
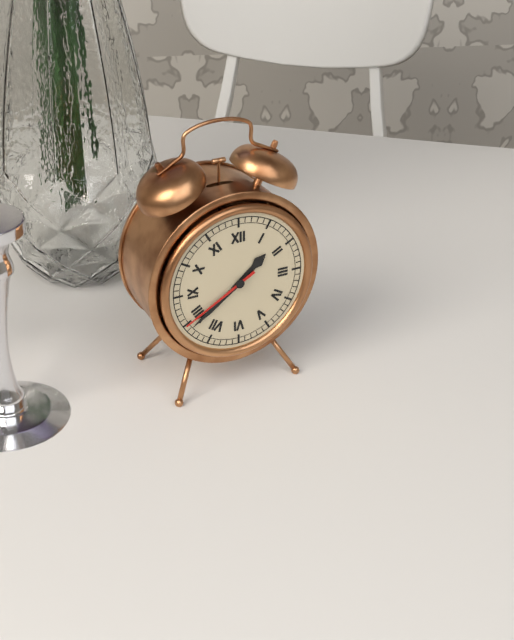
h=1 m=39 s=40
